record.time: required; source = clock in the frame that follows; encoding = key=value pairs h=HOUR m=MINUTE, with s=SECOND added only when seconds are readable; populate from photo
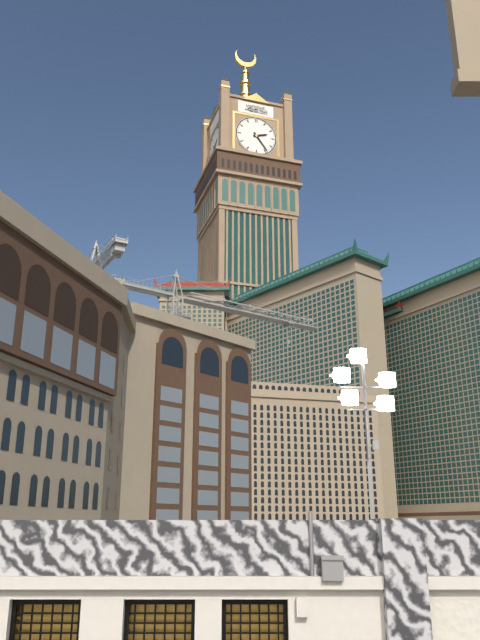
h=2 m=24
